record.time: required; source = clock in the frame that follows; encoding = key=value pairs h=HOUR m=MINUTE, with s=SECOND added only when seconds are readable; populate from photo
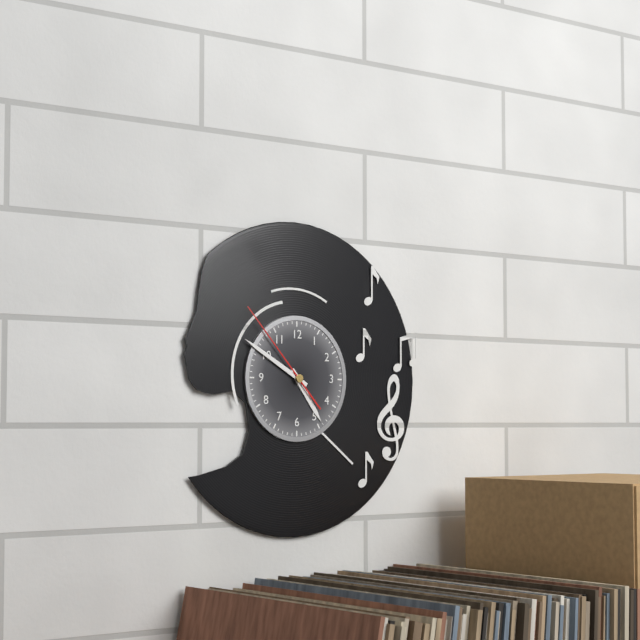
h=4 m=50 s=53
